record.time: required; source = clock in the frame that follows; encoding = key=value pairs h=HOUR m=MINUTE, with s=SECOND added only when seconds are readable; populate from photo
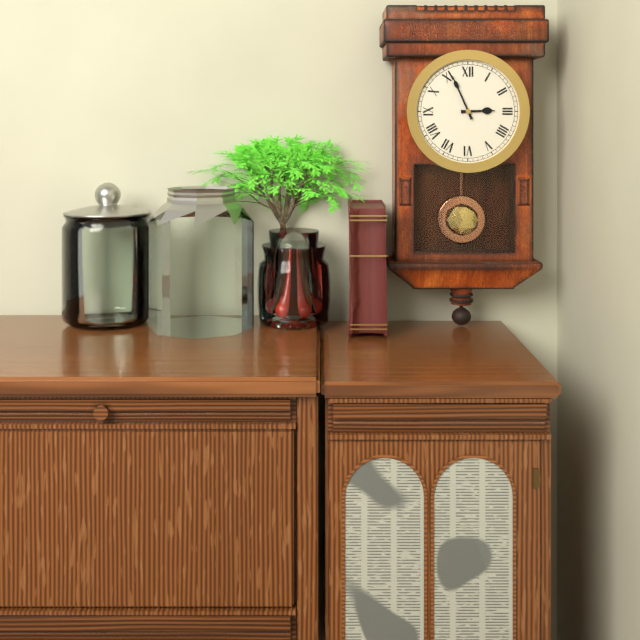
h=2 m=56
